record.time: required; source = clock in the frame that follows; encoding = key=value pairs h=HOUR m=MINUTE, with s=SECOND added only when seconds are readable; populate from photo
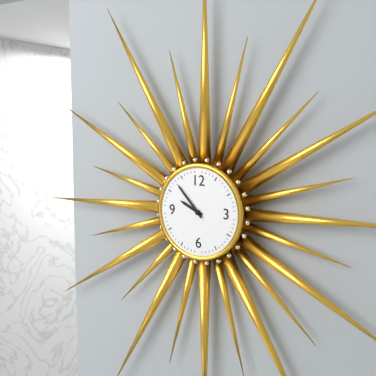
h=9 m=53
